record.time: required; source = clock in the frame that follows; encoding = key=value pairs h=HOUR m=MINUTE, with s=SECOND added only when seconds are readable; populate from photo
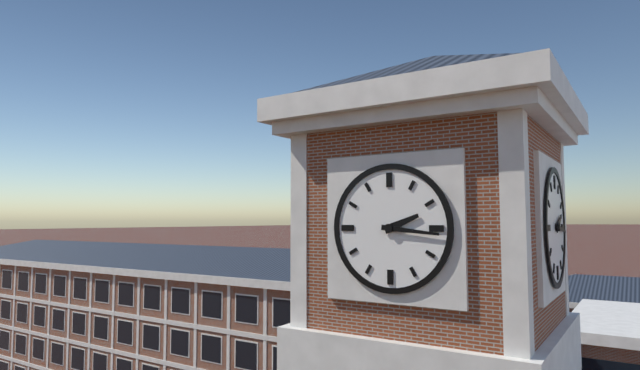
h=2 m=16
